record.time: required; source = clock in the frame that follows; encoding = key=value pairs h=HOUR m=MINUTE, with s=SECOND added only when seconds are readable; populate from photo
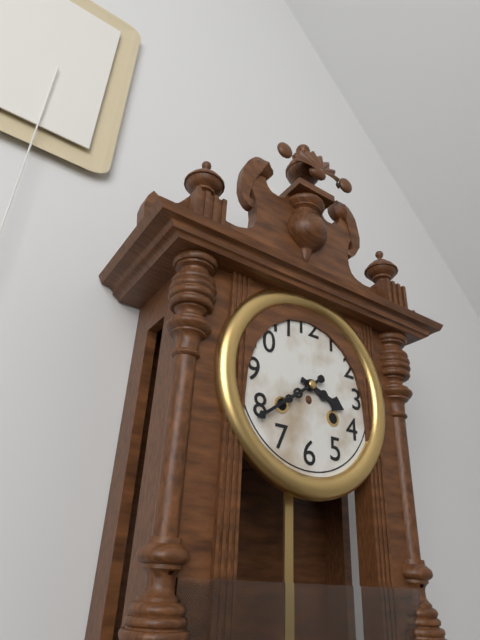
h=3 m=39
